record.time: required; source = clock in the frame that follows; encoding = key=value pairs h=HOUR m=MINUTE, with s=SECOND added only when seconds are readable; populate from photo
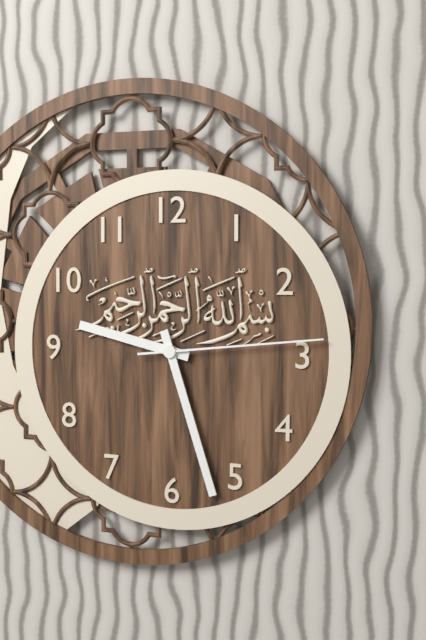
h=9 m=27 s=14
